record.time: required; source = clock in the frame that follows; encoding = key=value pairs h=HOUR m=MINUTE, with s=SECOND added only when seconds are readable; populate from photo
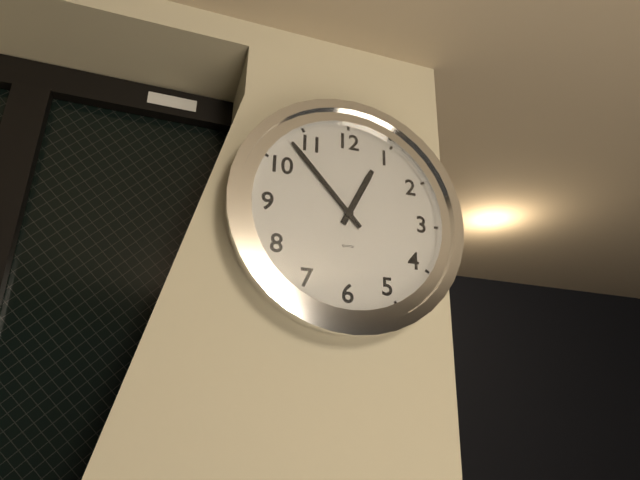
h=12 m=53
